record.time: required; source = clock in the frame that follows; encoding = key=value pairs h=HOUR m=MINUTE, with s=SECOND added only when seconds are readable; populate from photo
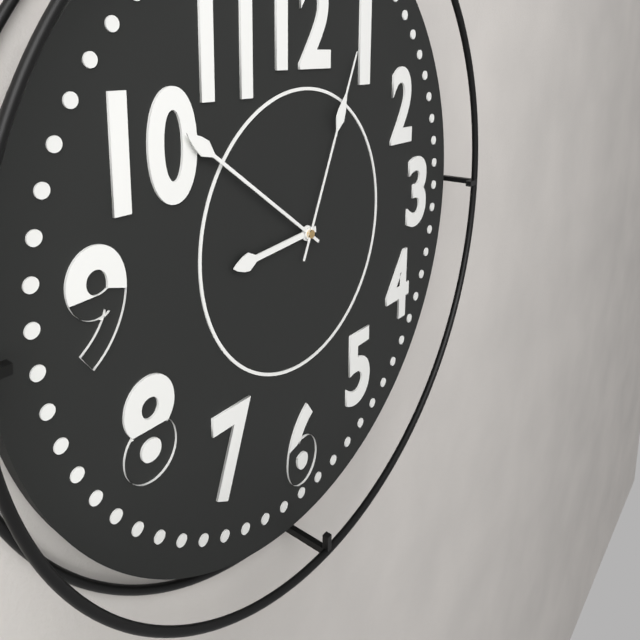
h=8 m=51 s=4
